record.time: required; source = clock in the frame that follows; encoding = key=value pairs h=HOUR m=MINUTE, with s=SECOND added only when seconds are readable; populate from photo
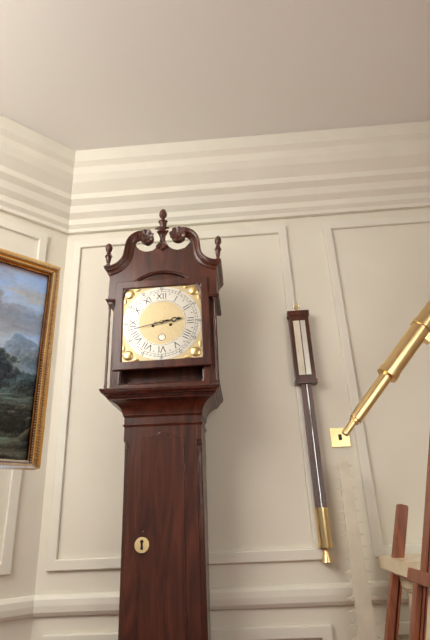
h=2 m=43
